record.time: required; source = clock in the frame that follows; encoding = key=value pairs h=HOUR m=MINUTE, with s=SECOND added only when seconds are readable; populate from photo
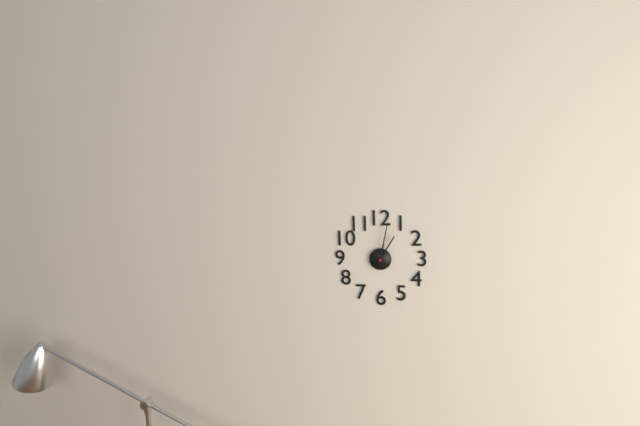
h=1 m=2
